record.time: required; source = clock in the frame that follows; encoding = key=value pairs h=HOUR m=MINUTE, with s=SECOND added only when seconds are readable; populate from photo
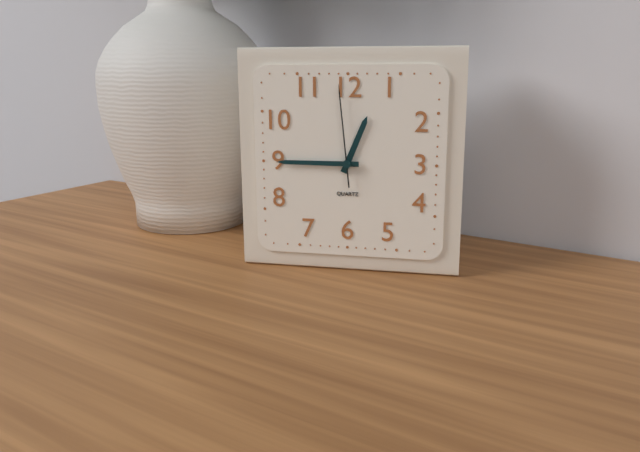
h=12 m=45 s=59
